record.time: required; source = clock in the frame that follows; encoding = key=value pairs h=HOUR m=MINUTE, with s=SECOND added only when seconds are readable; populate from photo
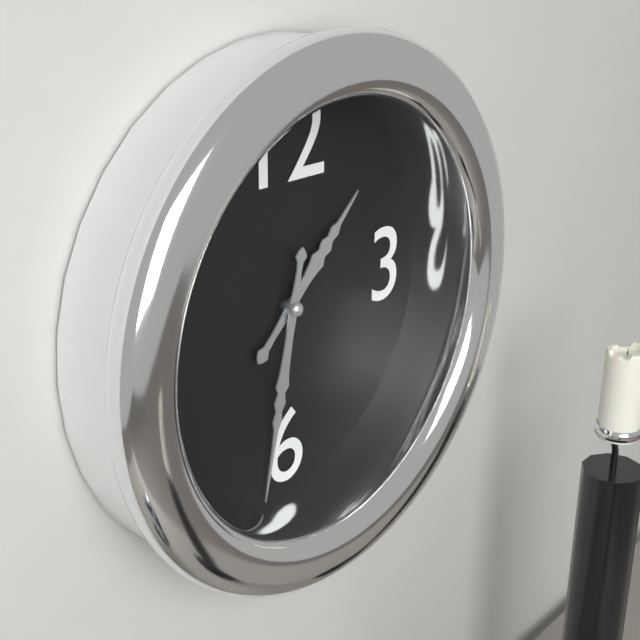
h=1 m=32
